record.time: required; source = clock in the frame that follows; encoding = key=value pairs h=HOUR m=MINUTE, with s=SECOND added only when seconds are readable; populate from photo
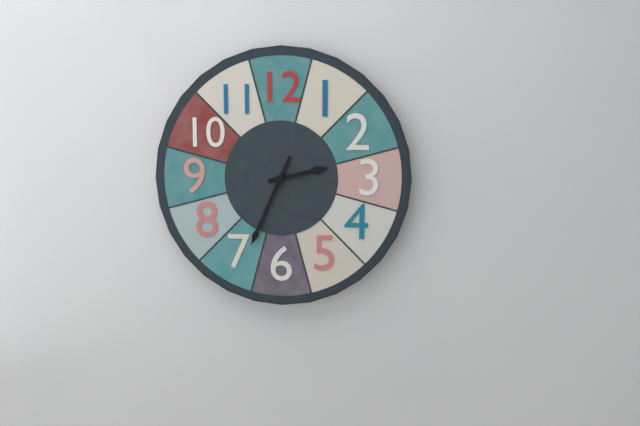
h=2 m=34
